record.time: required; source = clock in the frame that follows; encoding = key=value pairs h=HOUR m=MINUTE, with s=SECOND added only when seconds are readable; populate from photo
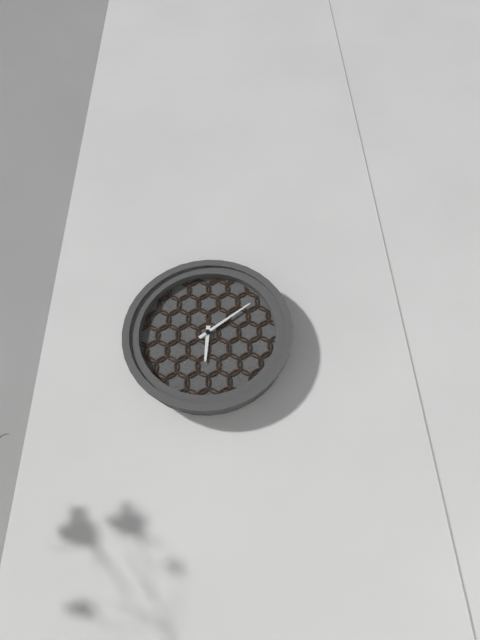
h=6 m=9
